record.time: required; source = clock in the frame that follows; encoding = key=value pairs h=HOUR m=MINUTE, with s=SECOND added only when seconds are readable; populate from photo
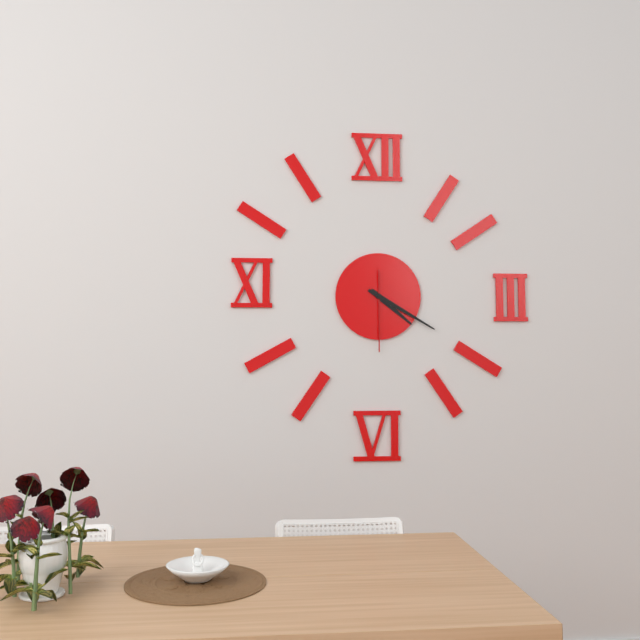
h=4 m=20 s=30
